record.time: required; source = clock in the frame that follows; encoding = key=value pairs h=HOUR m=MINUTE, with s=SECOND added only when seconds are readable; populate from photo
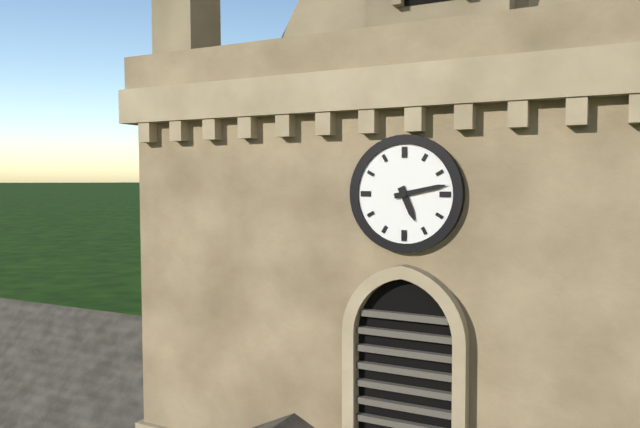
h=5 m=13
